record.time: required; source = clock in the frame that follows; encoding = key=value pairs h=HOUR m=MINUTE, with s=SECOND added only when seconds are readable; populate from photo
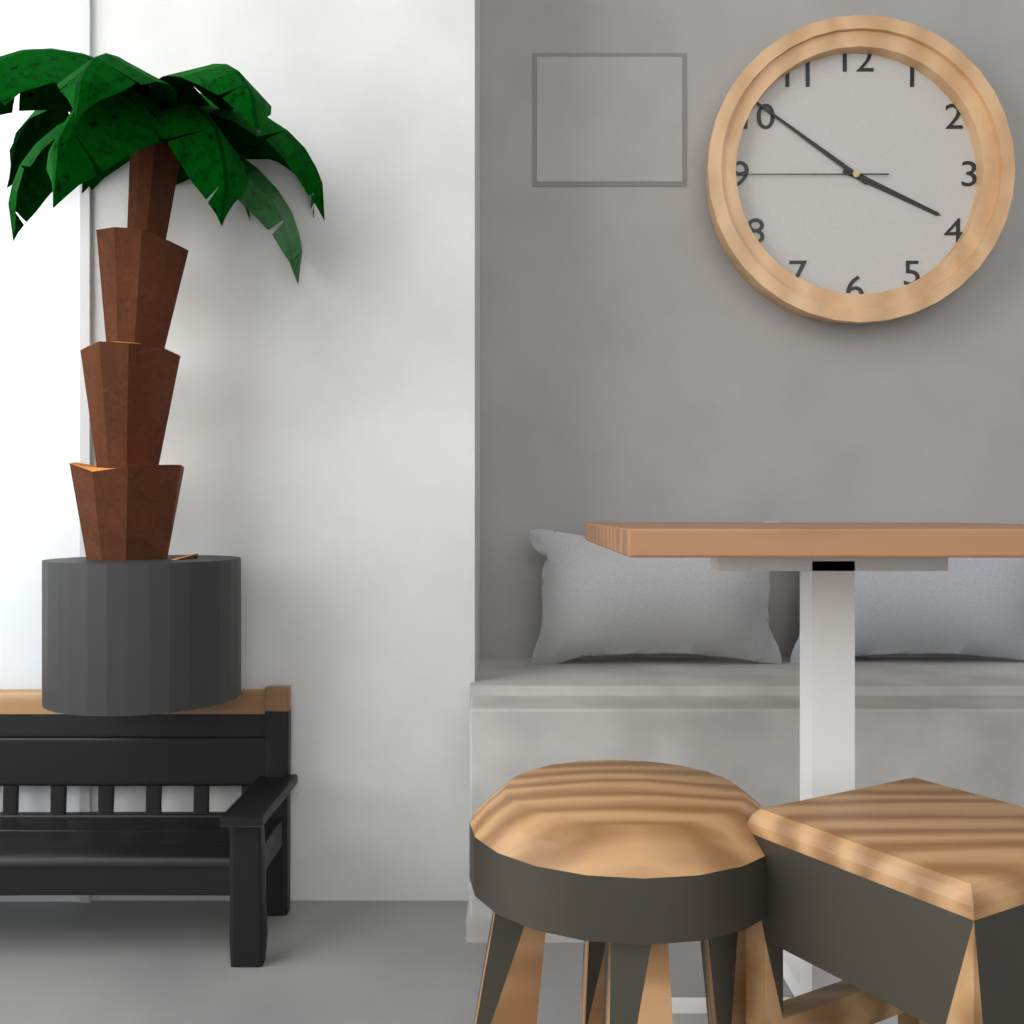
h=3 m=51 s=45
